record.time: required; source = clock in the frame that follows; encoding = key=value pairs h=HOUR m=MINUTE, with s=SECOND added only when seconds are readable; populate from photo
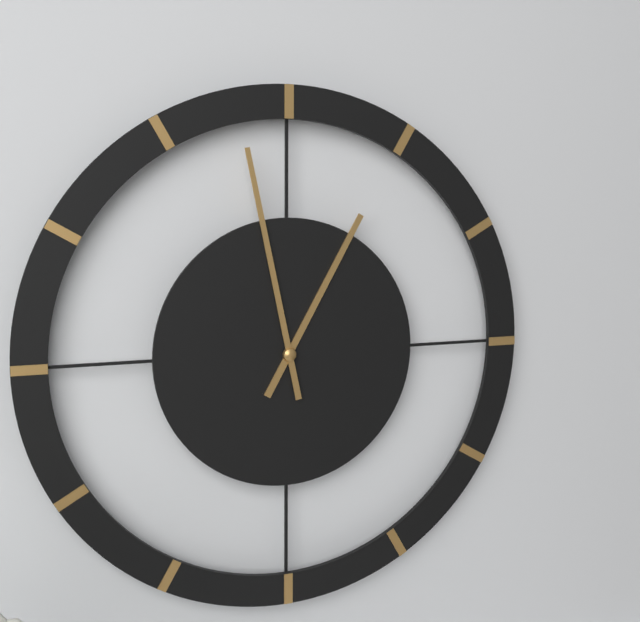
h=12 m=58
